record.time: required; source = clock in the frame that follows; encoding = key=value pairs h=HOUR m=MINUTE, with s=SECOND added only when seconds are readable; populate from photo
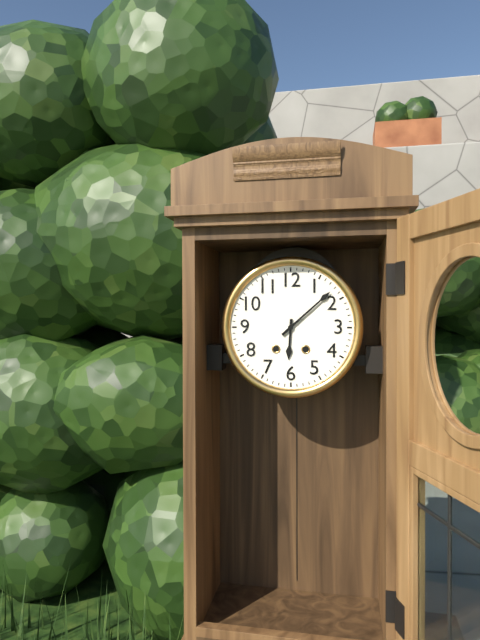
h=6 m=8
